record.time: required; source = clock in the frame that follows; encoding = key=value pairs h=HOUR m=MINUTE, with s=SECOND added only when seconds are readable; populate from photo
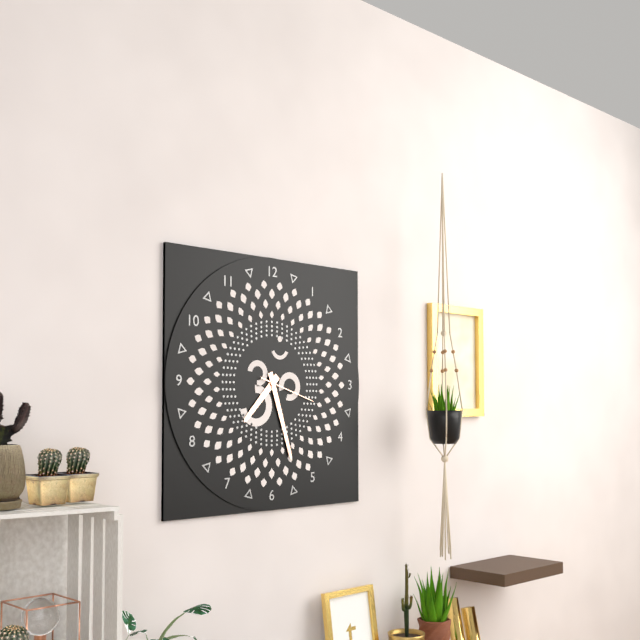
h=7 m=27 s=18
